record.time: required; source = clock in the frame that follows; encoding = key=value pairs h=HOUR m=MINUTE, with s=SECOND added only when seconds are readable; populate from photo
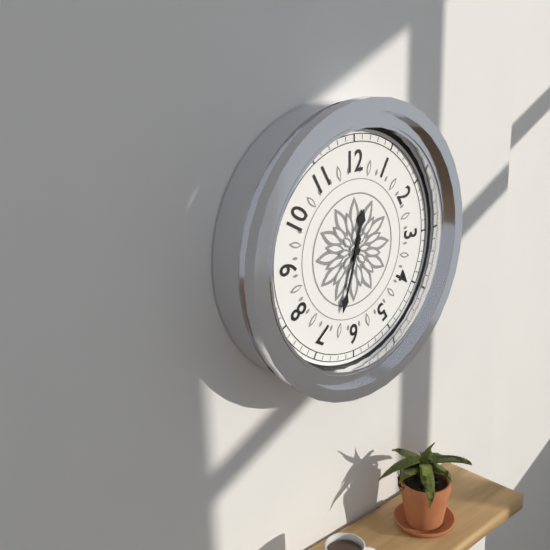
h=12 m=33
